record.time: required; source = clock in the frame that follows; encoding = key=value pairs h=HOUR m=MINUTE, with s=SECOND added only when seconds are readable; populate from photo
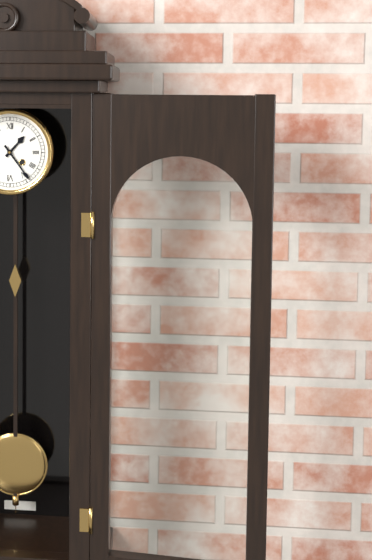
h=1 m=24
